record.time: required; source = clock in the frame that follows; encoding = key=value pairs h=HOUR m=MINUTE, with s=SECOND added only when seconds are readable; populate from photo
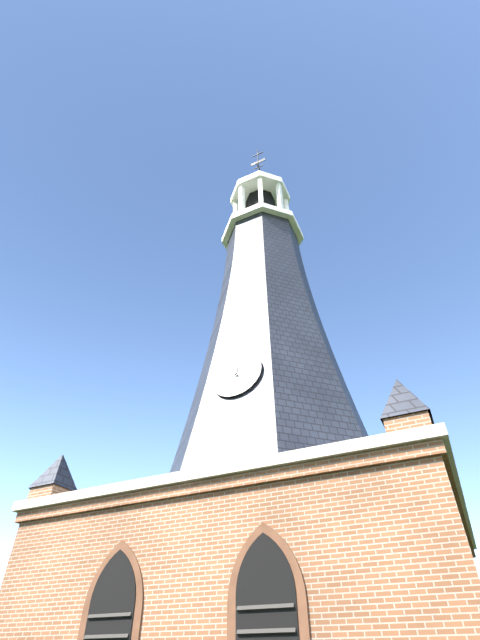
h=11 m=53
